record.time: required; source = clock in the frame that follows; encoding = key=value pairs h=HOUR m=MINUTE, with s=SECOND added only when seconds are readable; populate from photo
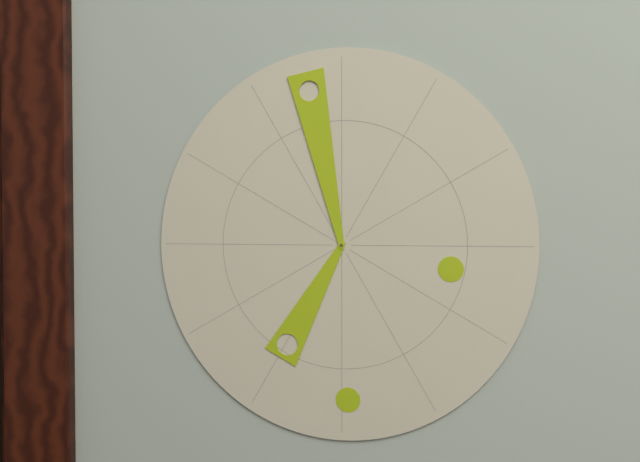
h=6 m=58
